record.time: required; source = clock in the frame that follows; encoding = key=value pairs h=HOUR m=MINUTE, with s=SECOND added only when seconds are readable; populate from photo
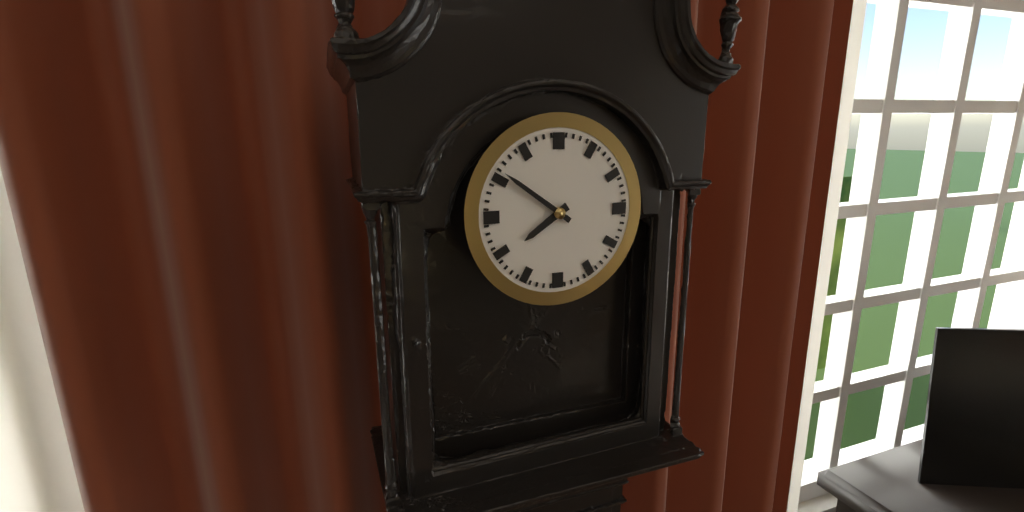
h=7 m=51
